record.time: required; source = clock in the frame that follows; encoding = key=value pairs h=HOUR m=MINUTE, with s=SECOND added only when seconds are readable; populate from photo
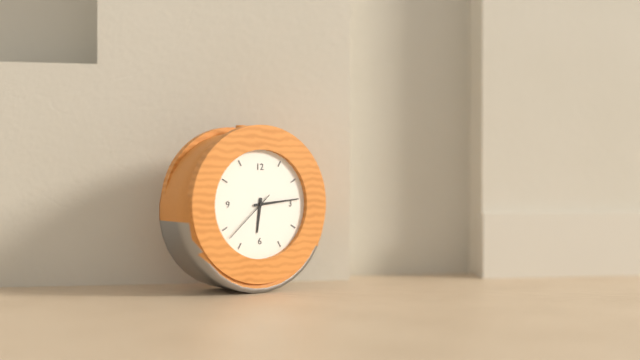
h=6 m=14 s=38
